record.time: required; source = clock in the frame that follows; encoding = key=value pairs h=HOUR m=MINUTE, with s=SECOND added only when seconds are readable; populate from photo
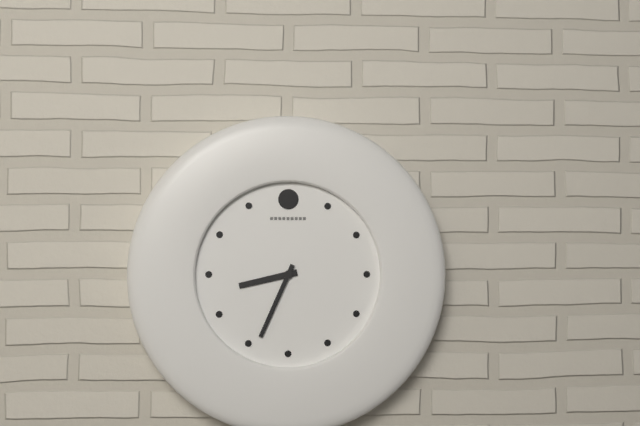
h=8 m=34
